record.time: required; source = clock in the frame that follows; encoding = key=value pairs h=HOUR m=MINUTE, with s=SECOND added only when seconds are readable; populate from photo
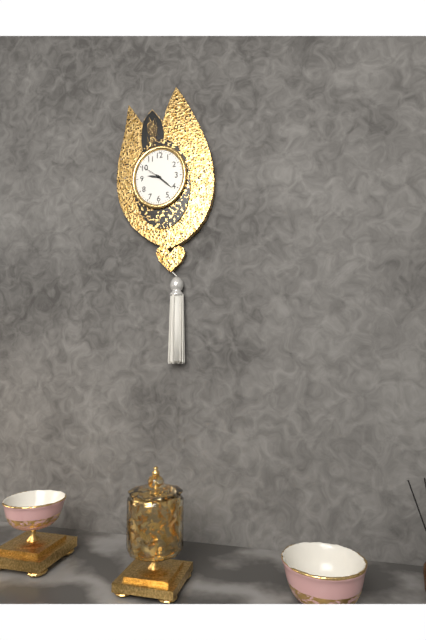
h=9 m=22
